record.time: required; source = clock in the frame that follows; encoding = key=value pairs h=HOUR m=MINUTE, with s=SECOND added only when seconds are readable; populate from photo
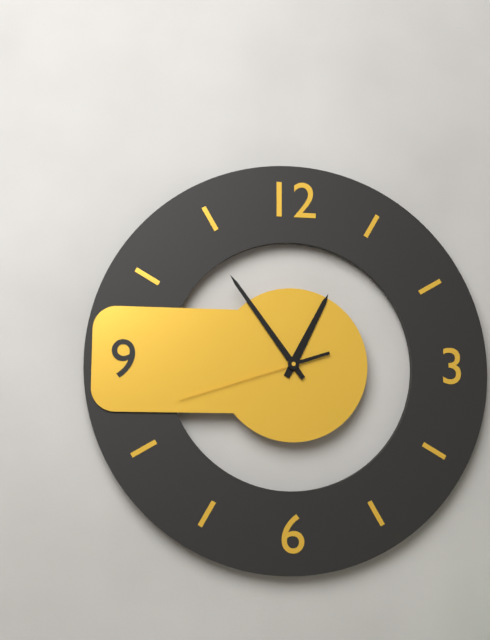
h=12 m=54 s=42
